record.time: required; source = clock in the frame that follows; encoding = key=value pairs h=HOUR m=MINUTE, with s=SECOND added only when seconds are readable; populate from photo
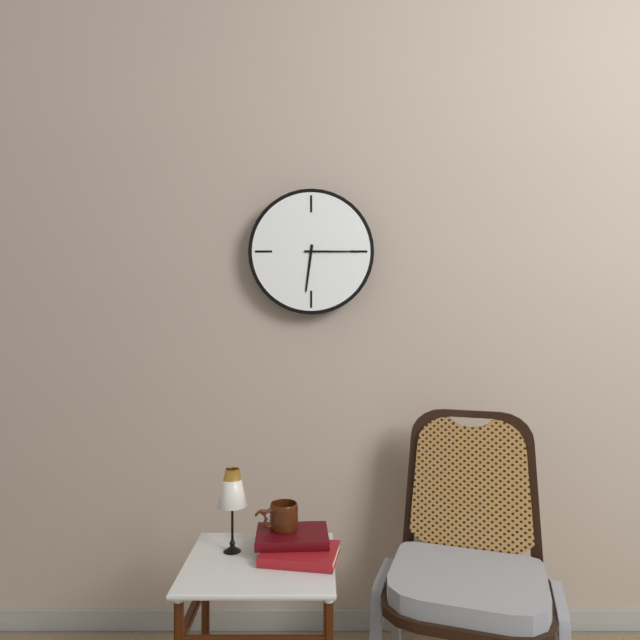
h=6 m=15
